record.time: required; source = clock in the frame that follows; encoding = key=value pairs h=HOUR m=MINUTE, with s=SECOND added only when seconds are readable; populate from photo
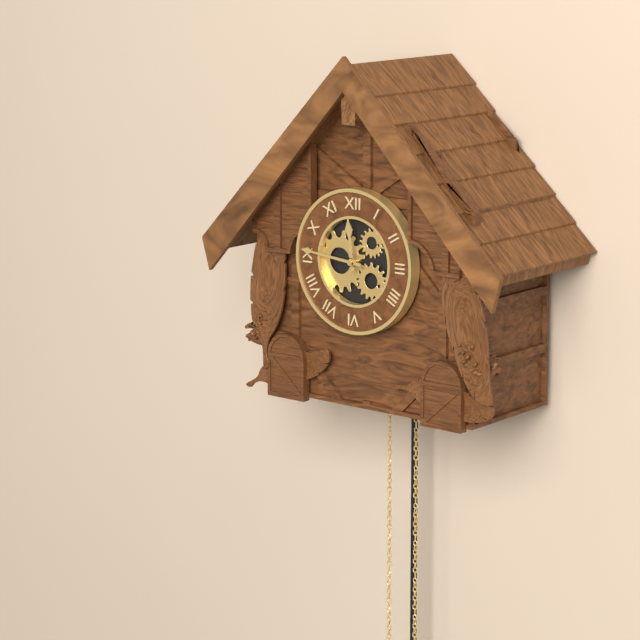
h=11 m=46
